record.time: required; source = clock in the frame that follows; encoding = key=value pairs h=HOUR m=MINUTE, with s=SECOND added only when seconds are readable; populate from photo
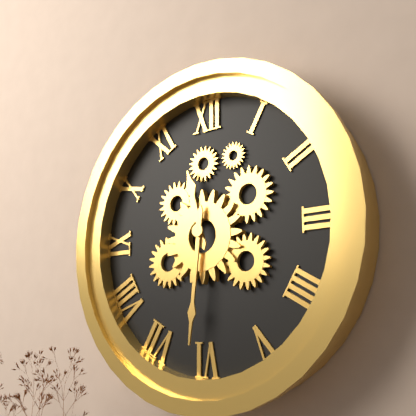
h=11 m=31
